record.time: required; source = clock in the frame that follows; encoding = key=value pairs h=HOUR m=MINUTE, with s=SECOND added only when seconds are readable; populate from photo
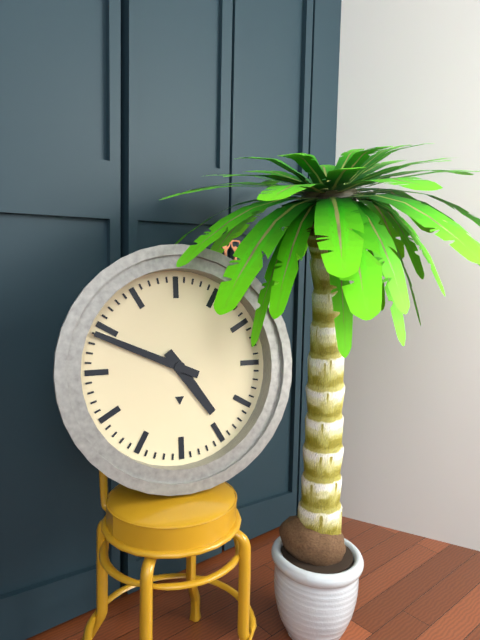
h=4 m=49
